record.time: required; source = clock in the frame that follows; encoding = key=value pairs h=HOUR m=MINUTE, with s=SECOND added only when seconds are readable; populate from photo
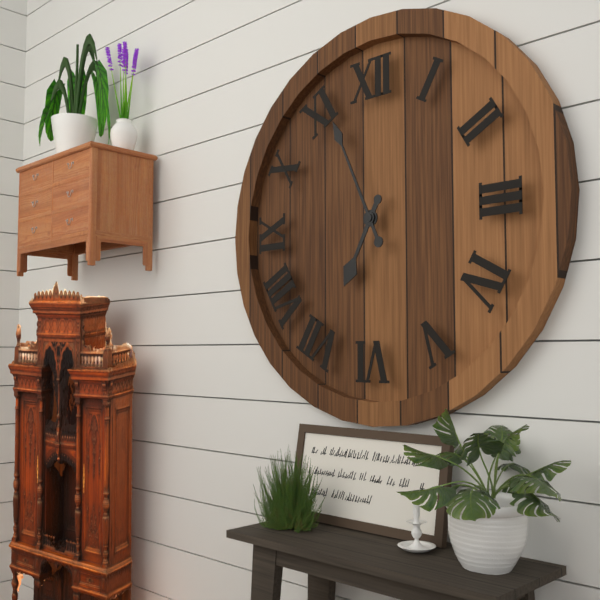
h=6 m=56
